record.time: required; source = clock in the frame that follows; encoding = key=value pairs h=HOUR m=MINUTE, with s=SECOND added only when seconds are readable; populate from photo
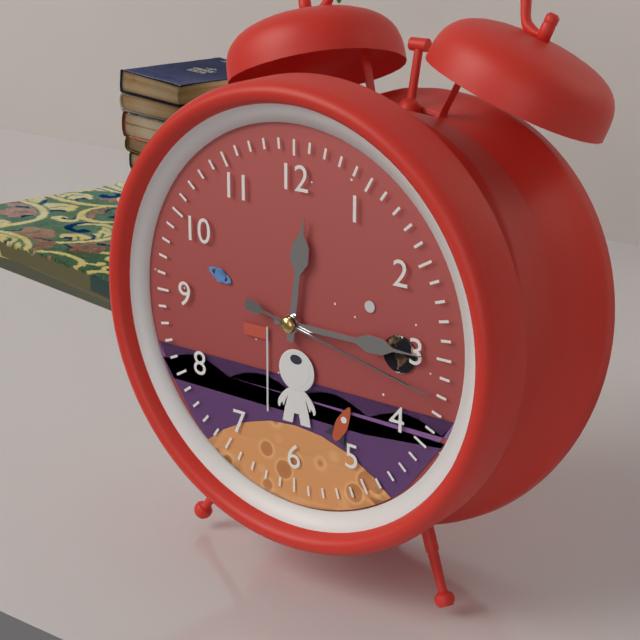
h=12 m=15 s=17
